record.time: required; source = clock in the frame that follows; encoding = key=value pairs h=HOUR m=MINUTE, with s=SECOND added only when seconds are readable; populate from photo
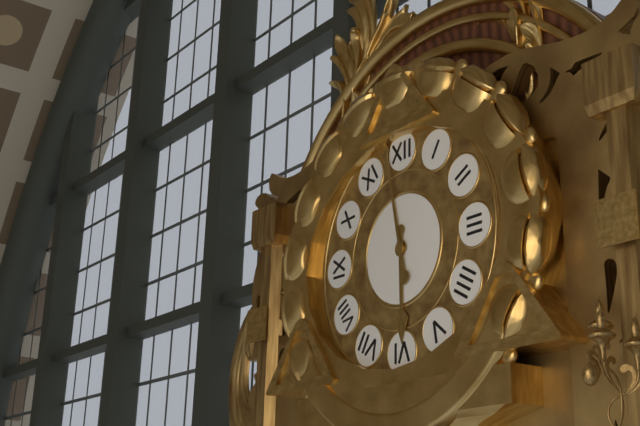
h=5 m=58
